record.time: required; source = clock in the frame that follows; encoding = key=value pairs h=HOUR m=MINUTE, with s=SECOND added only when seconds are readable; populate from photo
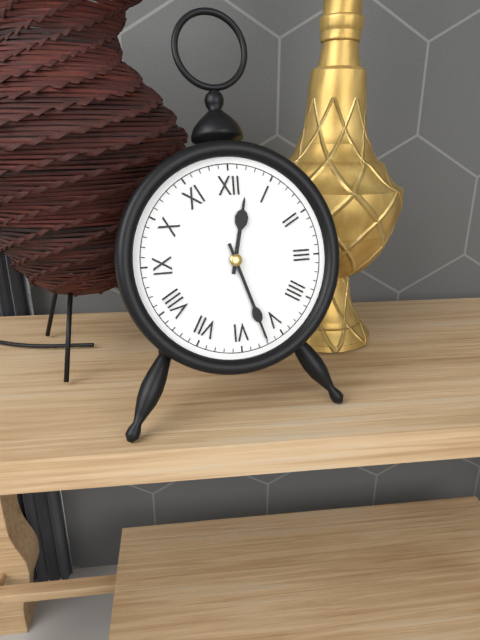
h=12 m=27
